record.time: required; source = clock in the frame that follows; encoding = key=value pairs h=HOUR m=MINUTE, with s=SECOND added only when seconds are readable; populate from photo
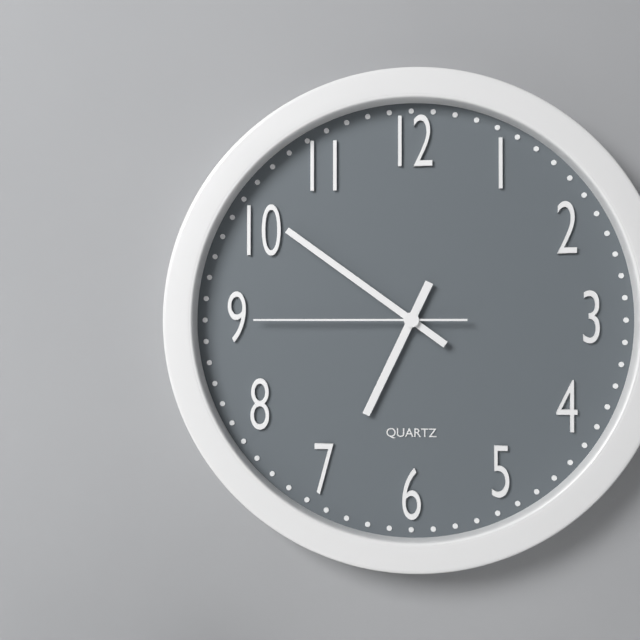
h=6 m=51 s=45
